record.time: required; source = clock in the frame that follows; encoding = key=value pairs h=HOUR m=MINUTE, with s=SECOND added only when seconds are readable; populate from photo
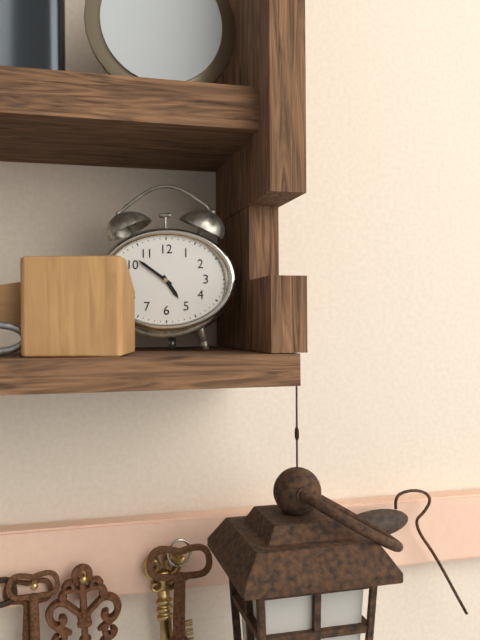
h=4 m=51
